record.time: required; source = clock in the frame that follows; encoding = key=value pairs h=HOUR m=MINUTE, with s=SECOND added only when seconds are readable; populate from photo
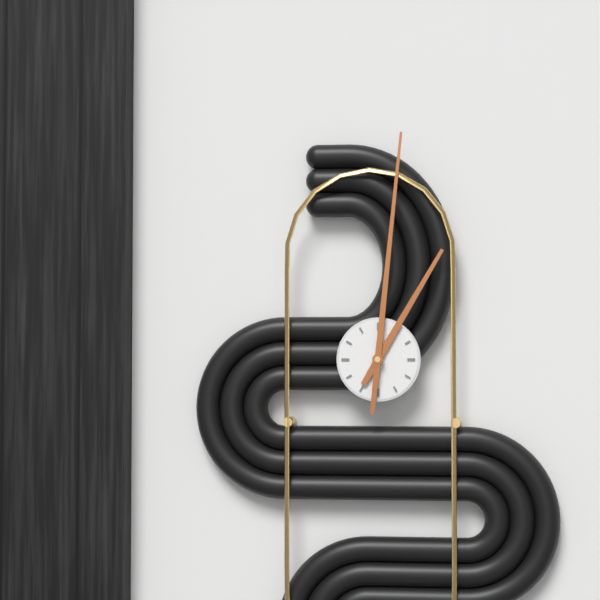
h=1 m=1
